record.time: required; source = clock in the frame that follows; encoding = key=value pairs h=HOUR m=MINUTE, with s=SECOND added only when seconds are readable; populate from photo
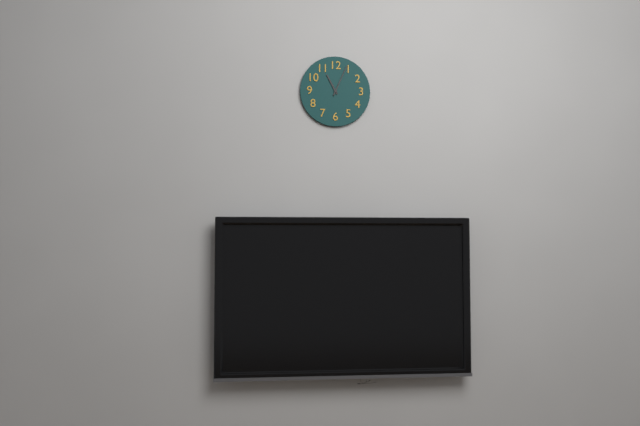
h=11 m=4
